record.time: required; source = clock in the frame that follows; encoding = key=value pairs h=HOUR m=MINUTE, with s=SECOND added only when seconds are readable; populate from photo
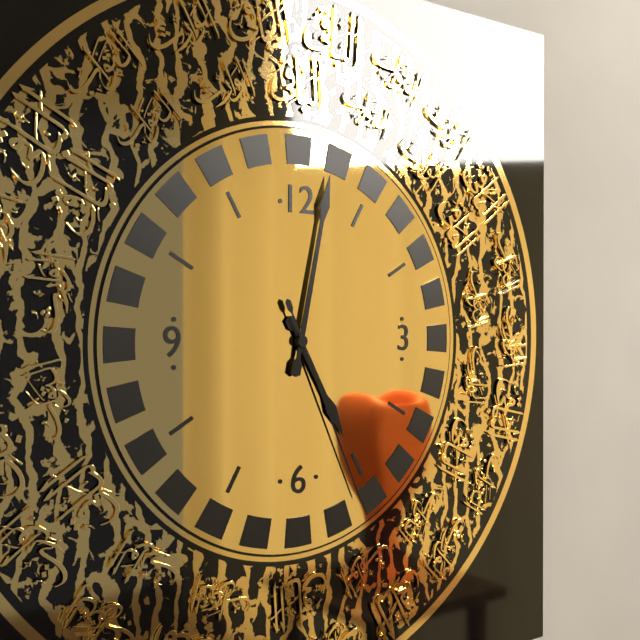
h=5 m=2 s=26
